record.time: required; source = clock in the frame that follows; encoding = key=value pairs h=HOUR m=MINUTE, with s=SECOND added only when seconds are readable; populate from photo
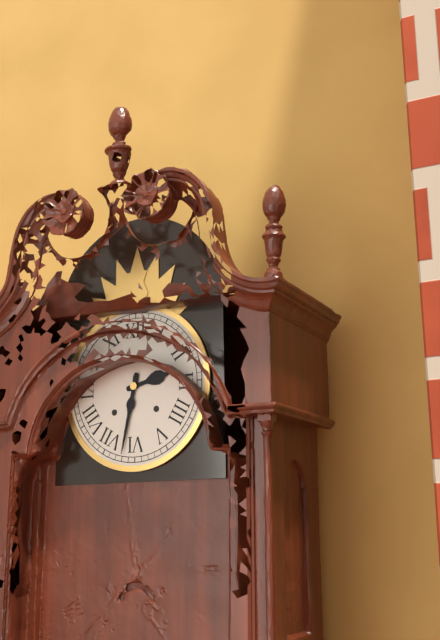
h=2 m=32
